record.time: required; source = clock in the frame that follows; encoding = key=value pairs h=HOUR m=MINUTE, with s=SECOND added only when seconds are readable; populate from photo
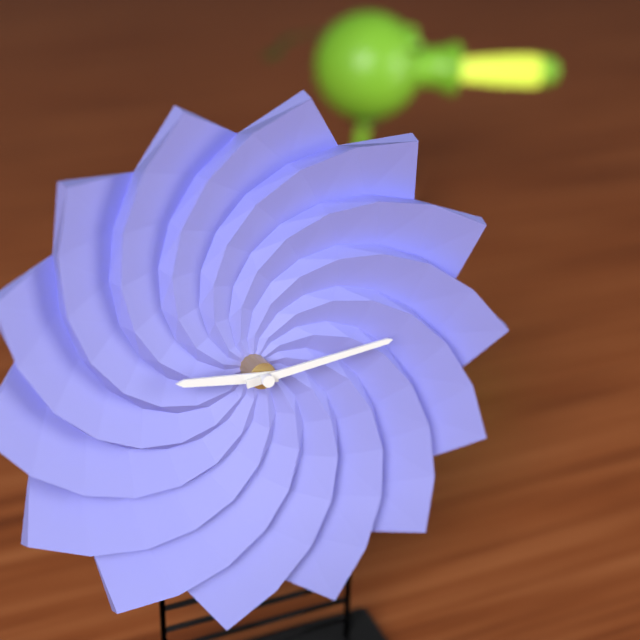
h=9 m=14
